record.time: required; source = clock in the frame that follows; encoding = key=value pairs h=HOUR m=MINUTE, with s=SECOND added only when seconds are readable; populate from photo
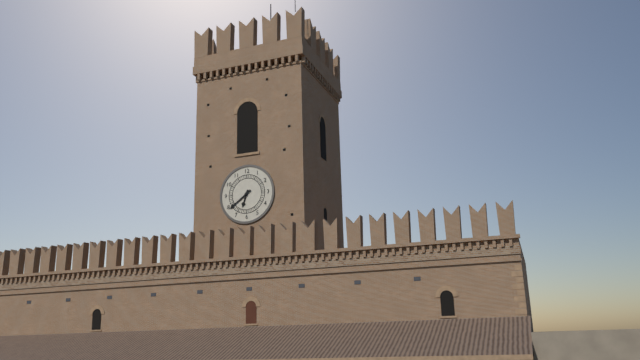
h=6 m=39
